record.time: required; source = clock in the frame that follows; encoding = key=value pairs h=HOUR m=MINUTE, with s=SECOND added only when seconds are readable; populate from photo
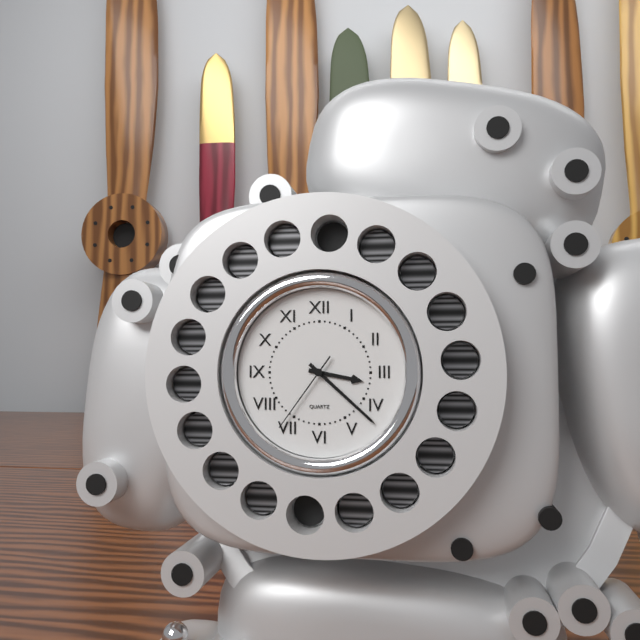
h=3 m=22 s=36
